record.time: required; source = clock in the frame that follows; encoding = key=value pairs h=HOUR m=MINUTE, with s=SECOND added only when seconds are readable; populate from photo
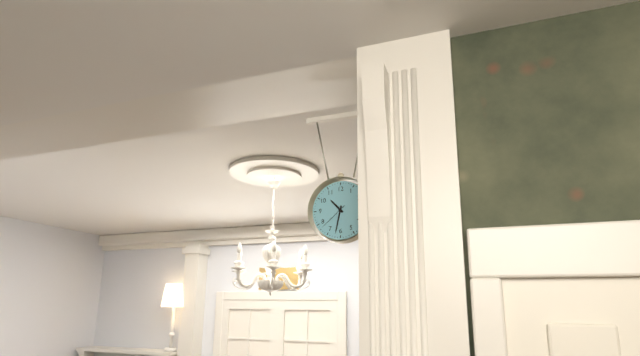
h=10 m=32
